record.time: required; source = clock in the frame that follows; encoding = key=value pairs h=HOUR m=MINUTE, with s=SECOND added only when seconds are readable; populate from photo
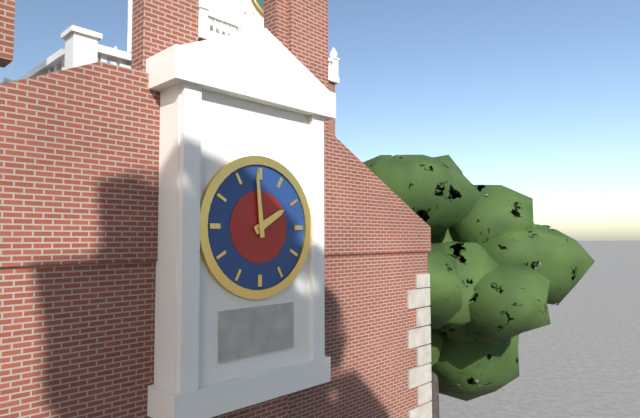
h=1 m=59
